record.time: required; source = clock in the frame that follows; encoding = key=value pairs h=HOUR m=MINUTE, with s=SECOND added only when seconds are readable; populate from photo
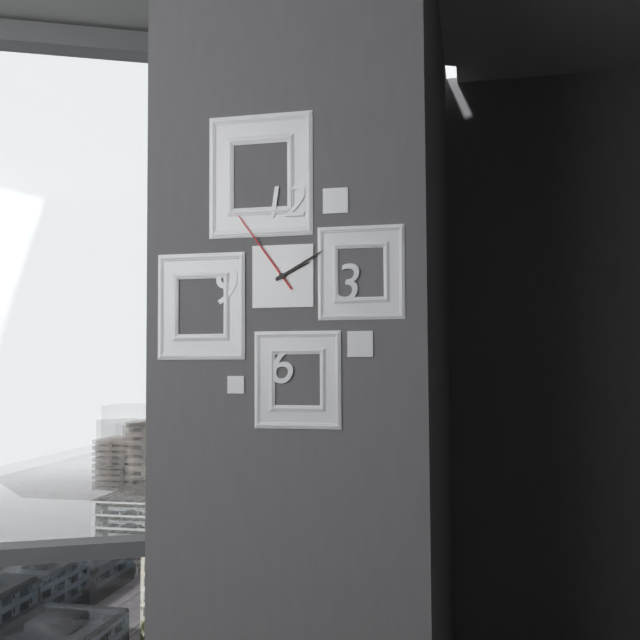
h=2 m=10 s=54
